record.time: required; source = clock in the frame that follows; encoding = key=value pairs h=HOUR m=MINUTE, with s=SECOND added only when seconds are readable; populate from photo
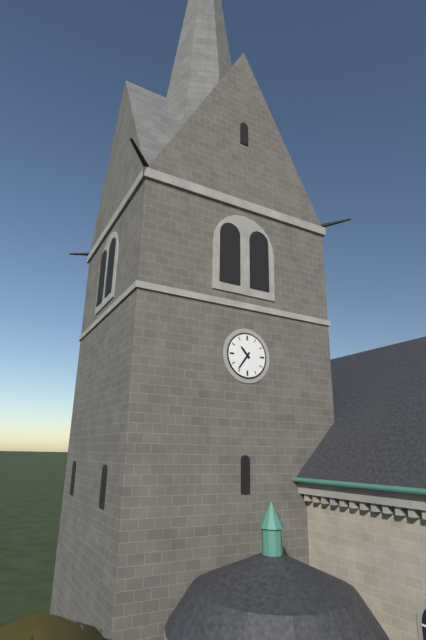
h=10 m=36
